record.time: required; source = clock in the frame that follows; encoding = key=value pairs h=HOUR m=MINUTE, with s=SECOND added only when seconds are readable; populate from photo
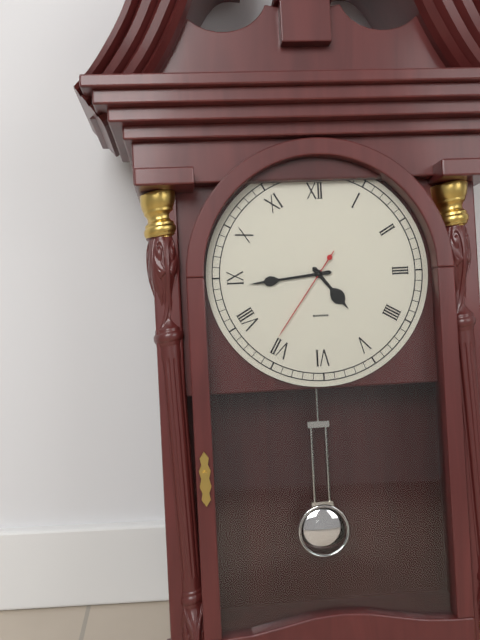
h=4 m=44 s=36
